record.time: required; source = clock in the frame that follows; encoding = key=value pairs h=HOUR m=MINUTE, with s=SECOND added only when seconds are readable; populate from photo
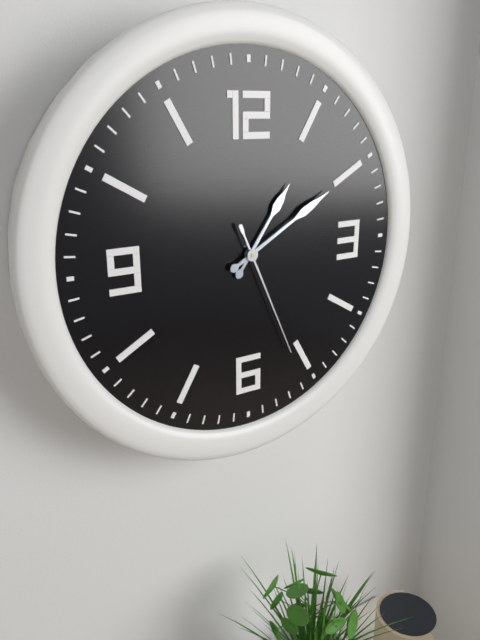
h=1 m=10 s=26
